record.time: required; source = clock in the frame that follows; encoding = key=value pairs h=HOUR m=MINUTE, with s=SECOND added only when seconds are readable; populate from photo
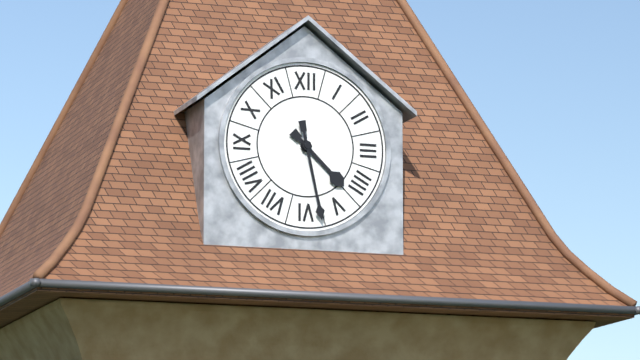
h=4 m=28
